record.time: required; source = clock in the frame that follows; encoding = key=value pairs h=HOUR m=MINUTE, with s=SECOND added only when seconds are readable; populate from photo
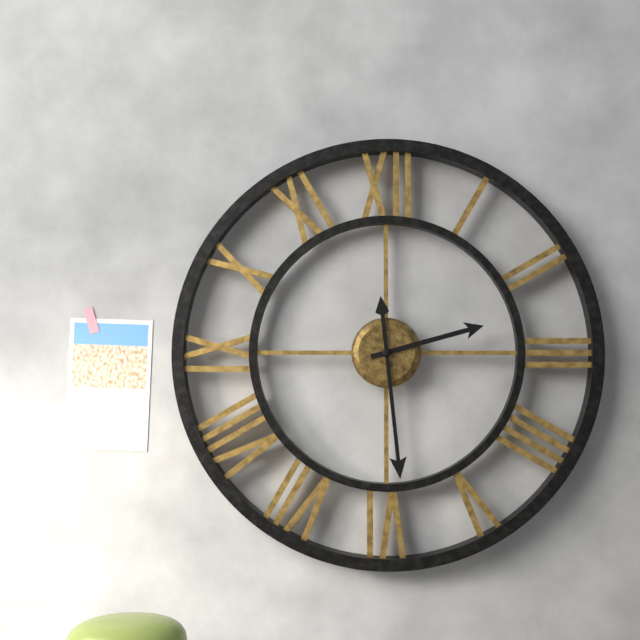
h=2 m=29
